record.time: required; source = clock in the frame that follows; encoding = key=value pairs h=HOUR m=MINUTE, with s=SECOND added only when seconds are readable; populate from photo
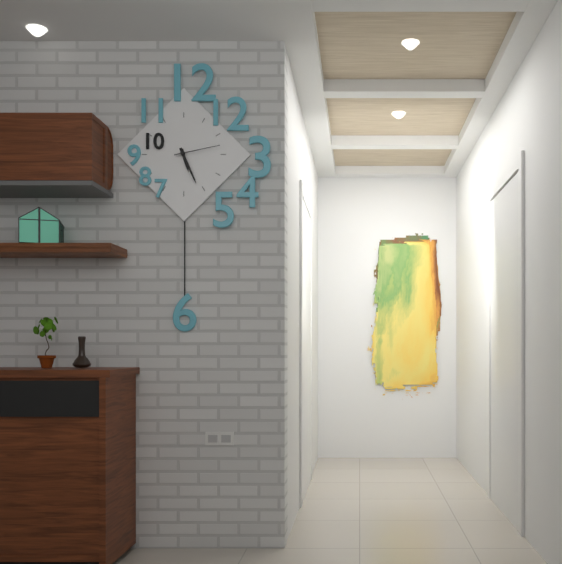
h=5 m=26
